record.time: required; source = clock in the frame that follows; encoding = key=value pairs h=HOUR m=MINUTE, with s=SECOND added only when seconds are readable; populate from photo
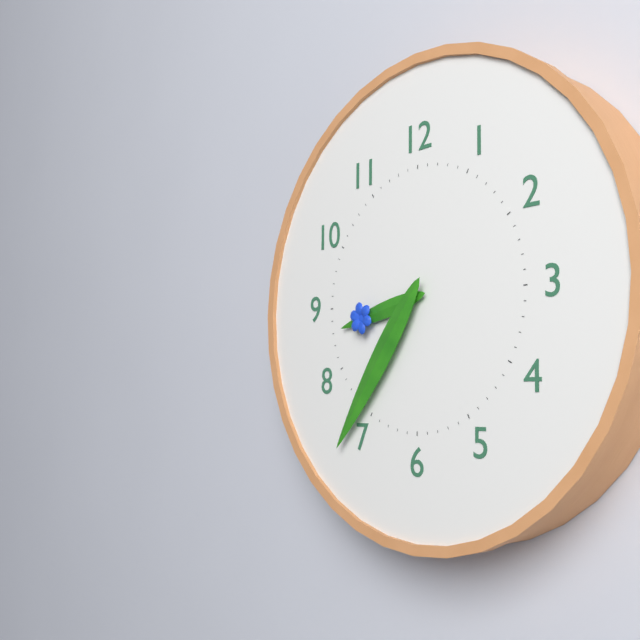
h=8 m=36
